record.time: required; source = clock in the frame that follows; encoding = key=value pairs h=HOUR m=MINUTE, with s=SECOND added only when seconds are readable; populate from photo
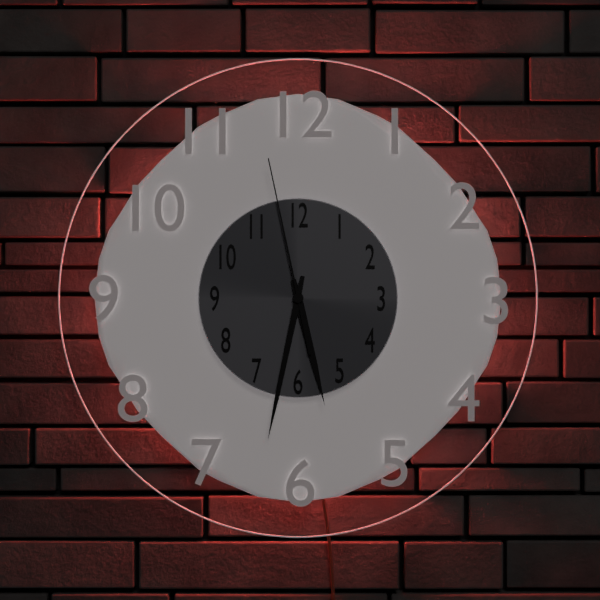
h=5 m=32 s=58
